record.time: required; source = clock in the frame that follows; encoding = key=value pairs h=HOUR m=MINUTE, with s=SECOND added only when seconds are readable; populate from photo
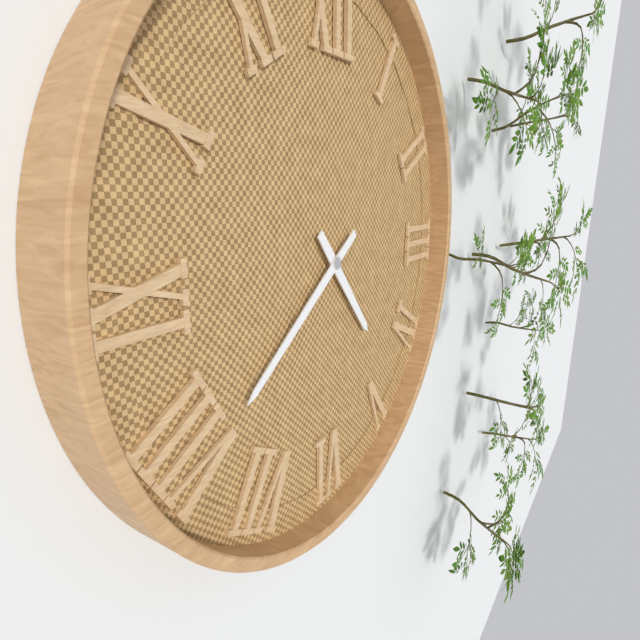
h=4 m=39
